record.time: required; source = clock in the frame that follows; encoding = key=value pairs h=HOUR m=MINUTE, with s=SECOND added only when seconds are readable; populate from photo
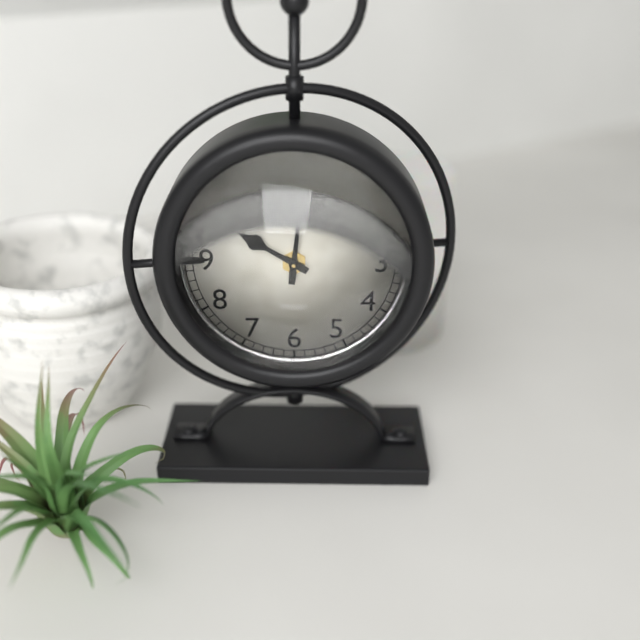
h=10 m=1
